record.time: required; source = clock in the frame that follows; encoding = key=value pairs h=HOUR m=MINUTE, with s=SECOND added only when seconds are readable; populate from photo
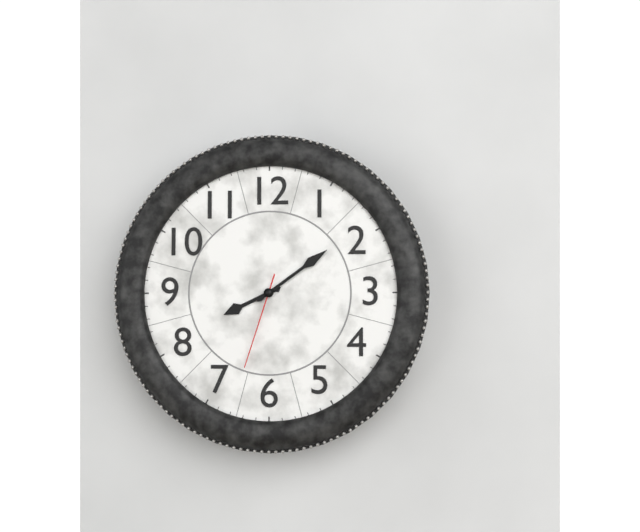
h=8 m=9 s=33
